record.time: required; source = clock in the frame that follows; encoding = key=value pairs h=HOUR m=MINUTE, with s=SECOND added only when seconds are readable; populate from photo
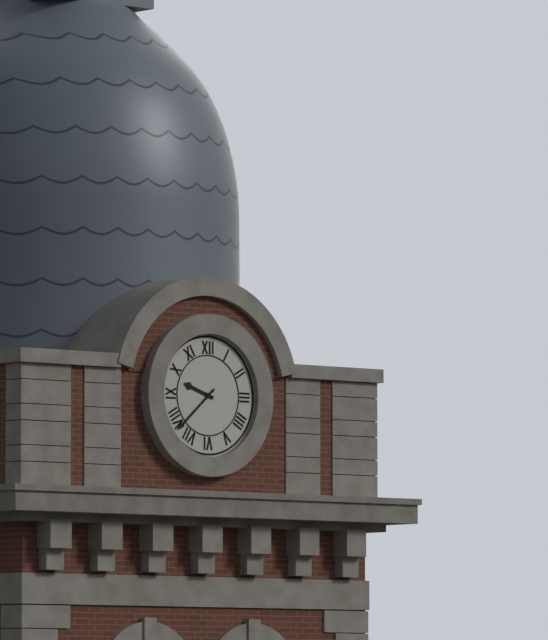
h=9 m=38
